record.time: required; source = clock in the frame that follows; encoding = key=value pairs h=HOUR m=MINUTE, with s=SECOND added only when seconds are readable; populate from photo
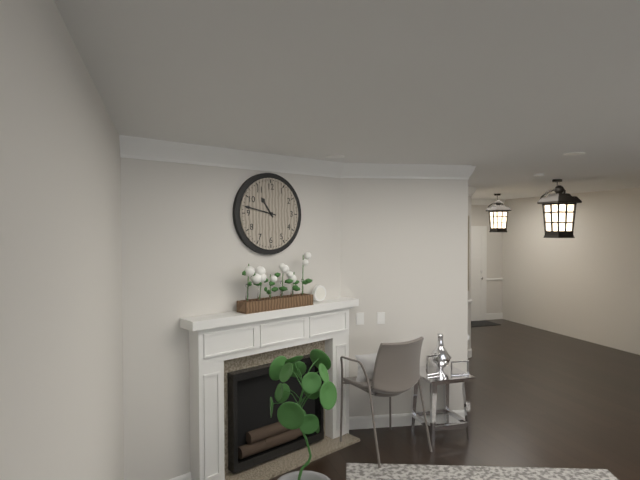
h=10 m=47
